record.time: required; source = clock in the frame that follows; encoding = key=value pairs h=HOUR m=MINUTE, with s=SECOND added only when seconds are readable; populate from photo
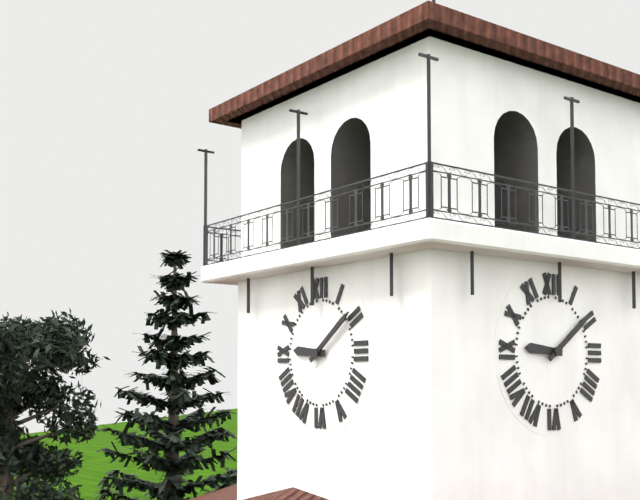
h=9 m=9
